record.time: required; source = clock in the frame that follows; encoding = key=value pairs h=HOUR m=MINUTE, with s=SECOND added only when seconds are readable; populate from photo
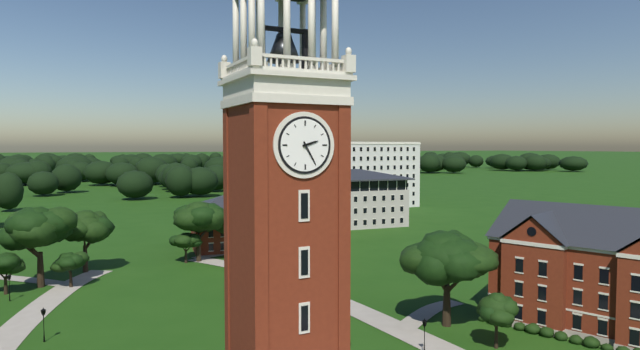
h=2 m=25
